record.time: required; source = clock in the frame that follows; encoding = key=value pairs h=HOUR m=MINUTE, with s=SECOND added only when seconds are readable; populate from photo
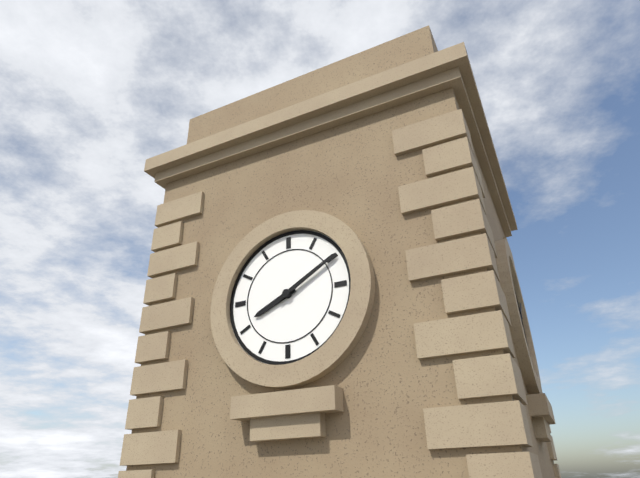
h=8 m=10
